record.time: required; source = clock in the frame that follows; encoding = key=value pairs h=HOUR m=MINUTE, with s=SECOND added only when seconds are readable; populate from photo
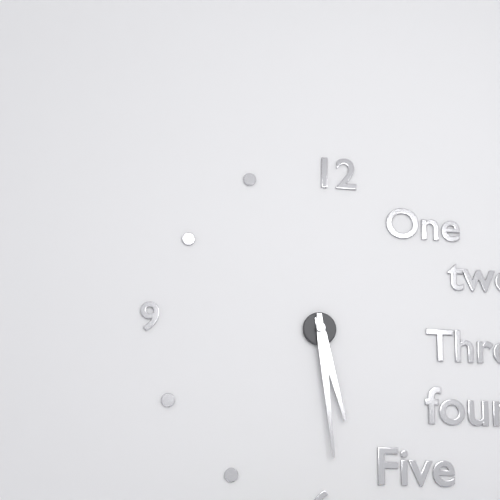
h=5 m=29
